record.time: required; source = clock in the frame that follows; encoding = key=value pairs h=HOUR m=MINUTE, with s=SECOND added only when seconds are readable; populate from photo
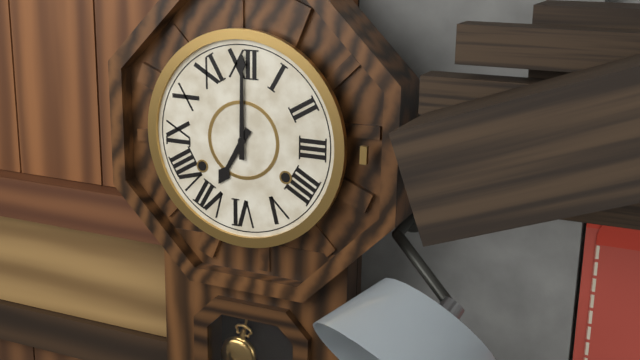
h=7 m=0
